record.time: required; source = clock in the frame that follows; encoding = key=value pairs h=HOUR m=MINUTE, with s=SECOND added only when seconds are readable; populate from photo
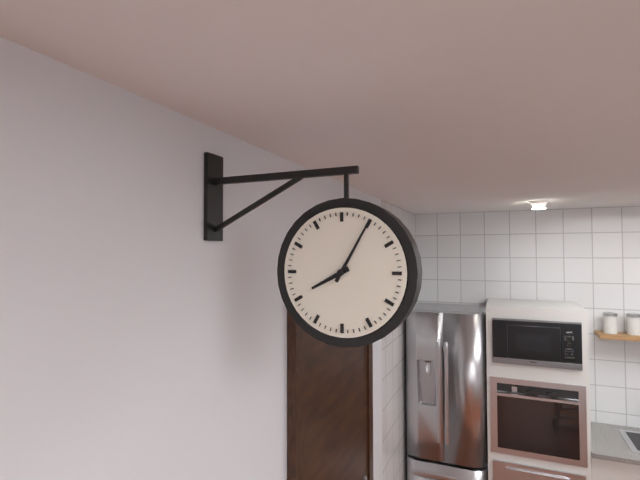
h=8 m=5
